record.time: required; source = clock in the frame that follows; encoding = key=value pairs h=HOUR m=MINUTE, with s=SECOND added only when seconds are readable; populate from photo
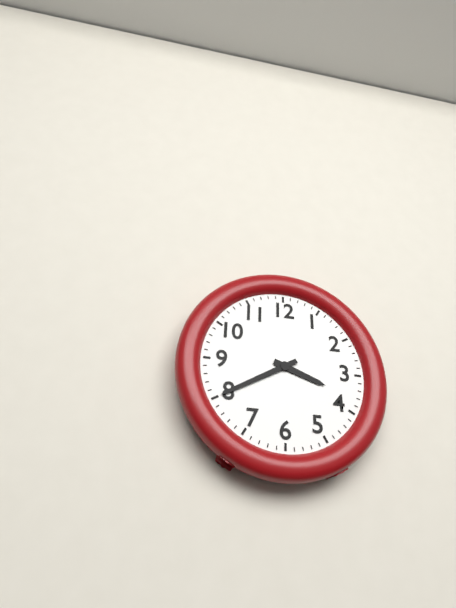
h=3 m=40
